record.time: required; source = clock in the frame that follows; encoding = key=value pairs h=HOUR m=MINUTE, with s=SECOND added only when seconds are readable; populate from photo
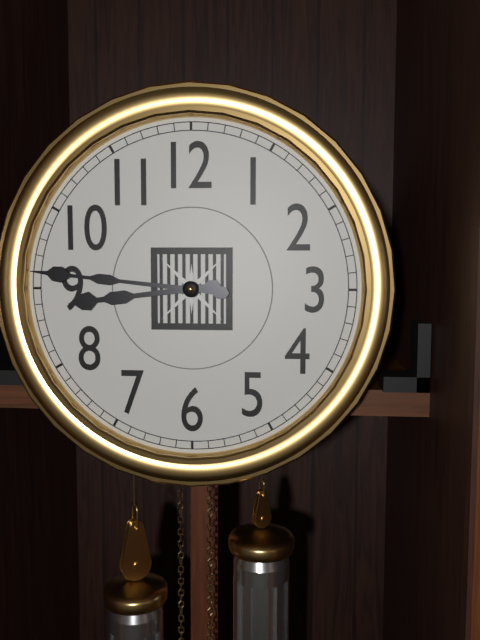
h=8 m=46
